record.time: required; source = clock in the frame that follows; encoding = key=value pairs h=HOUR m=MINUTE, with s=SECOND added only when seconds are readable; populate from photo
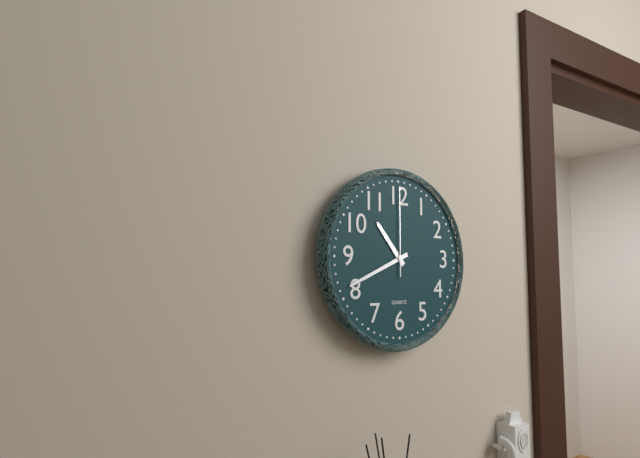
h=10 m=41 s=0
